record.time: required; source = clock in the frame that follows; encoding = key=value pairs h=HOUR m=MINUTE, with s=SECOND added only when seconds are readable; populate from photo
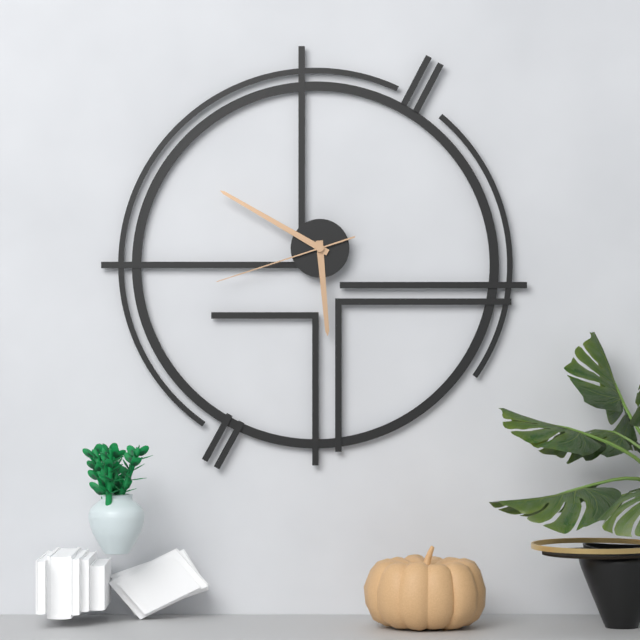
h=5 m=50 s=42
